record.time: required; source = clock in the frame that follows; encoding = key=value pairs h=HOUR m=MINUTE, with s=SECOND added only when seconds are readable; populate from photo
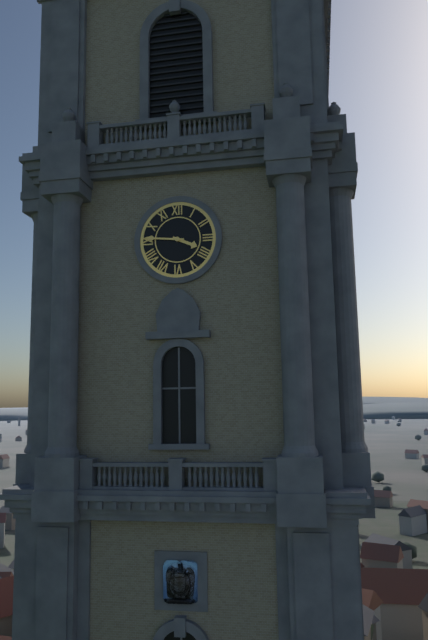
h=3 m=46
